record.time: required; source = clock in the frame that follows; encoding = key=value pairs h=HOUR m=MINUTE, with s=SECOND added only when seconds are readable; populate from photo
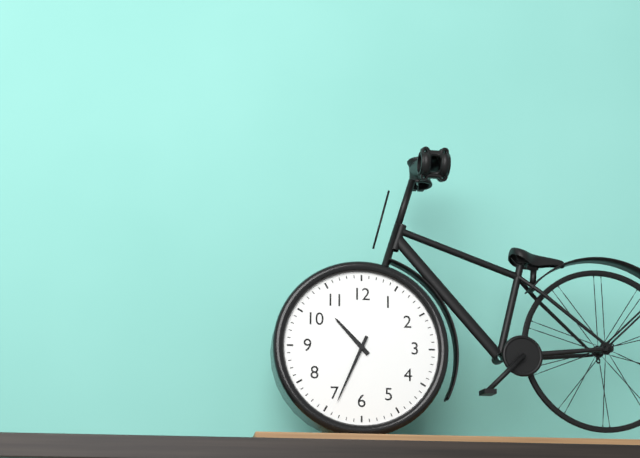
h=10 m=34
